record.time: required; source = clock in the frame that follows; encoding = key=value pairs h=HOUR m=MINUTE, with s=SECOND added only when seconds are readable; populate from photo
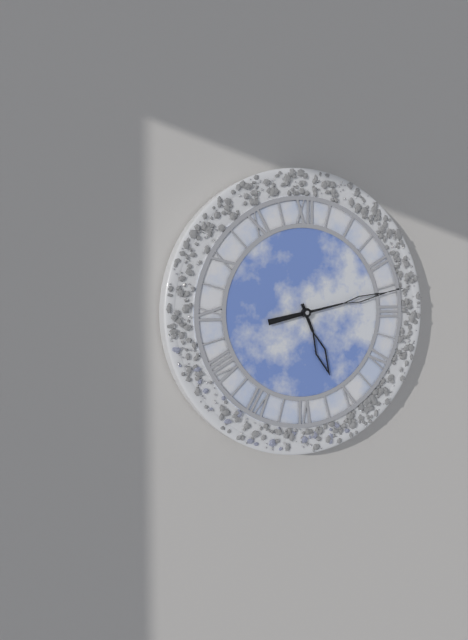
h=5 m=13
